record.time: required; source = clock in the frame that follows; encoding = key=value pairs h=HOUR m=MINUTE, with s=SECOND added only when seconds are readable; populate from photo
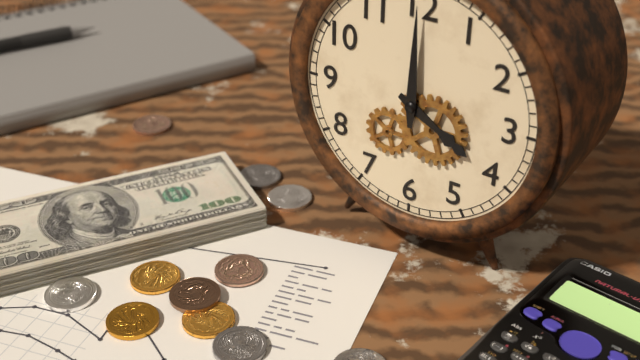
h=4 m=0
